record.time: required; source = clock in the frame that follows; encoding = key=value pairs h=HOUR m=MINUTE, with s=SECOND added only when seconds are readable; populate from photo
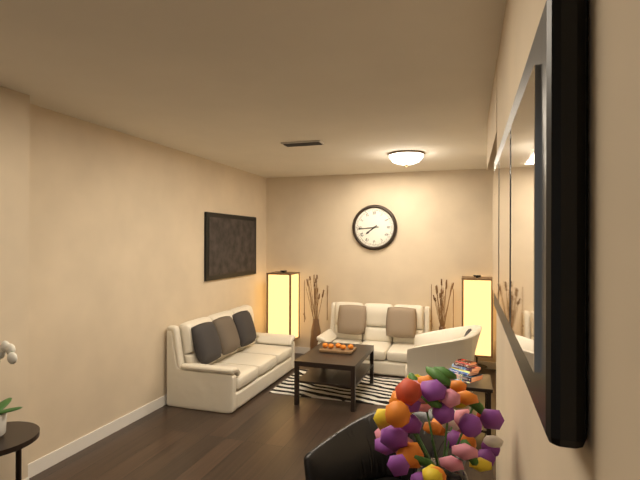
h=7 m=44
